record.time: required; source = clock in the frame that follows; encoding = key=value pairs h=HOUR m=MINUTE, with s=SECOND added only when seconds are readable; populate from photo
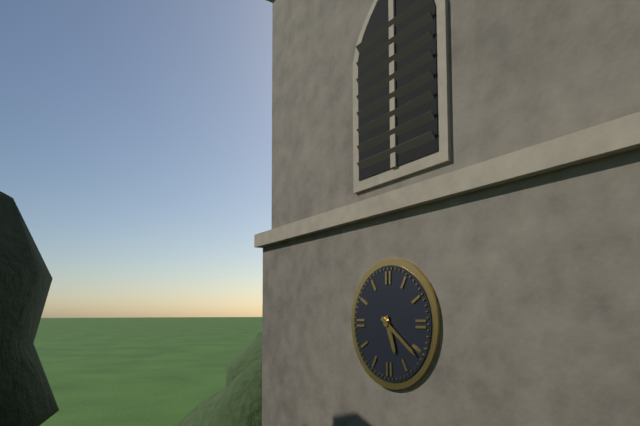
h=5 m=21
